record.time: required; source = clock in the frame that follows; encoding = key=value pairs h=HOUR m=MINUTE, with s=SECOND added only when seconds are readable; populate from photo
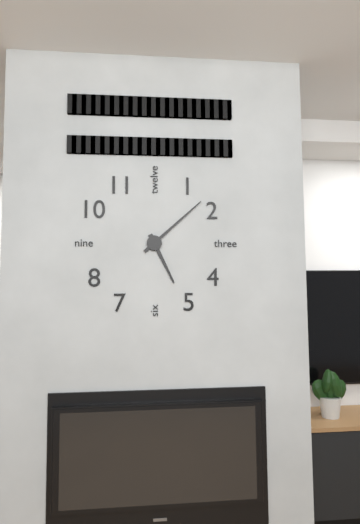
h=5 m=8
